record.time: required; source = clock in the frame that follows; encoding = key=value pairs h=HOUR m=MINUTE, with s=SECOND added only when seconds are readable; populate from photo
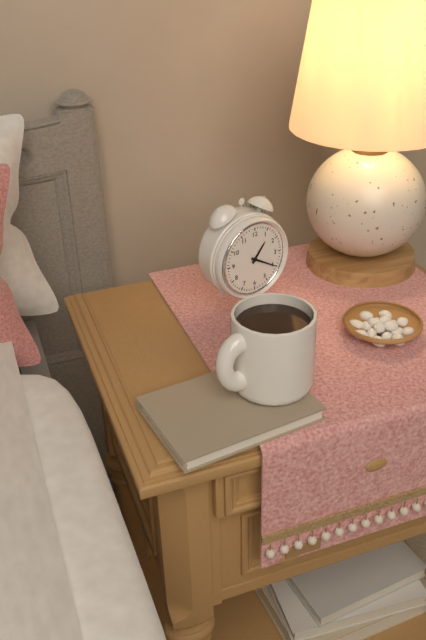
h=1 m=20
